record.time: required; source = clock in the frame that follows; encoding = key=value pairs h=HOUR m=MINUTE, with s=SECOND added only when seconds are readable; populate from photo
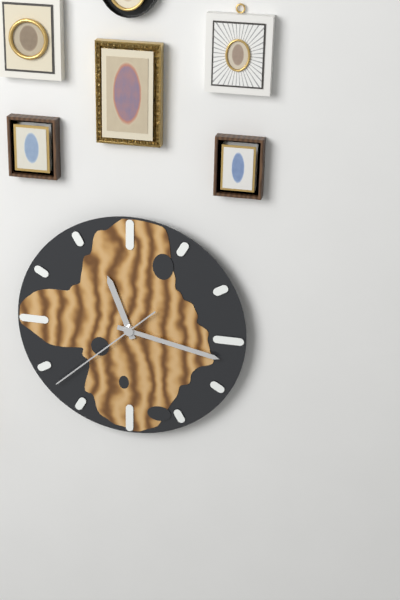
h=11 m=17 s=38
